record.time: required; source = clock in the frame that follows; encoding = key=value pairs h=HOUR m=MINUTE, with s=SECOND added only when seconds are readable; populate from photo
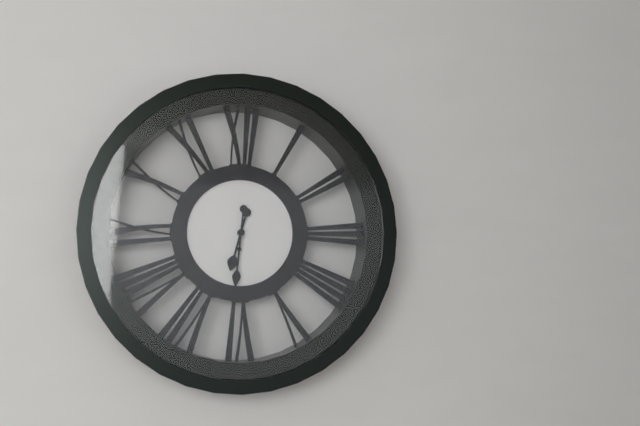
h=6 m=31
